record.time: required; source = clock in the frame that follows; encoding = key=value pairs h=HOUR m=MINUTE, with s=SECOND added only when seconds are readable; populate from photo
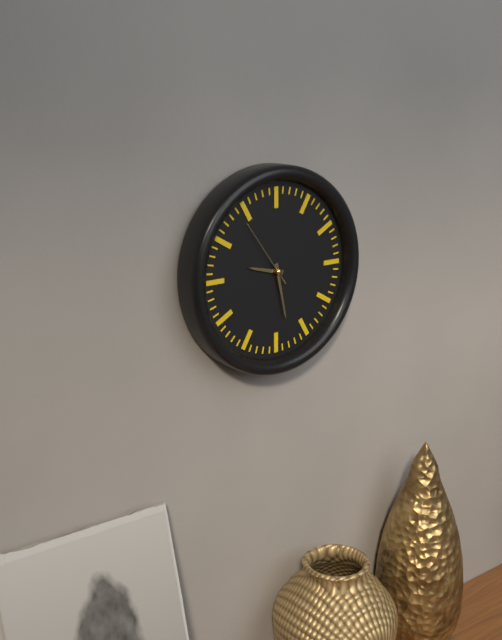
h=9 m=28 s=54
